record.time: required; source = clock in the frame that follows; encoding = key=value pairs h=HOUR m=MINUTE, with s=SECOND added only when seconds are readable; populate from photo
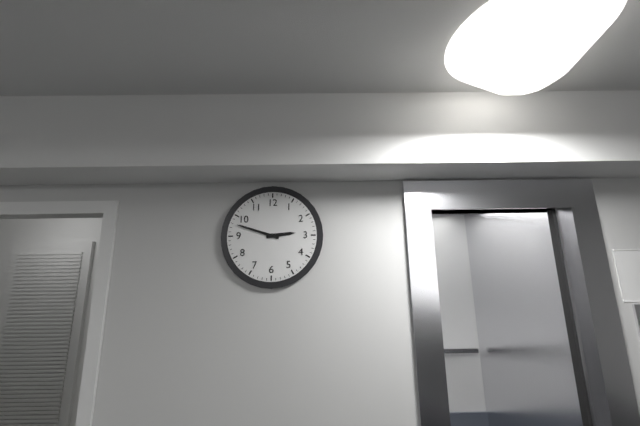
h=2 m=48
